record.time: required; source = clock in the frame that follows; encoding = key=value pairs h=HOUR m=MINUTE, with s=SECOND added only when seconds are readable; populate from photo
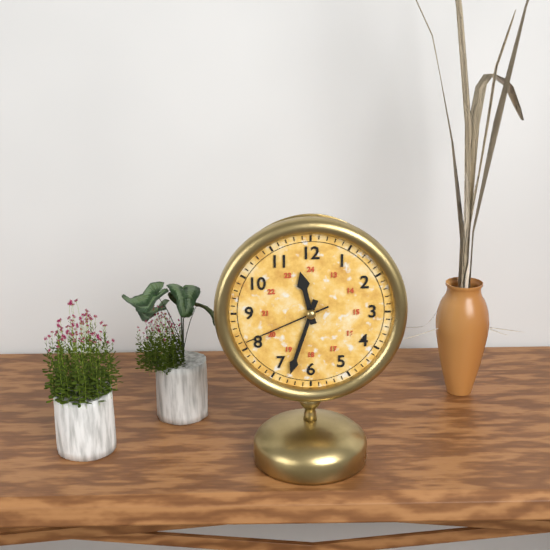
h=11 m=33 s=41
